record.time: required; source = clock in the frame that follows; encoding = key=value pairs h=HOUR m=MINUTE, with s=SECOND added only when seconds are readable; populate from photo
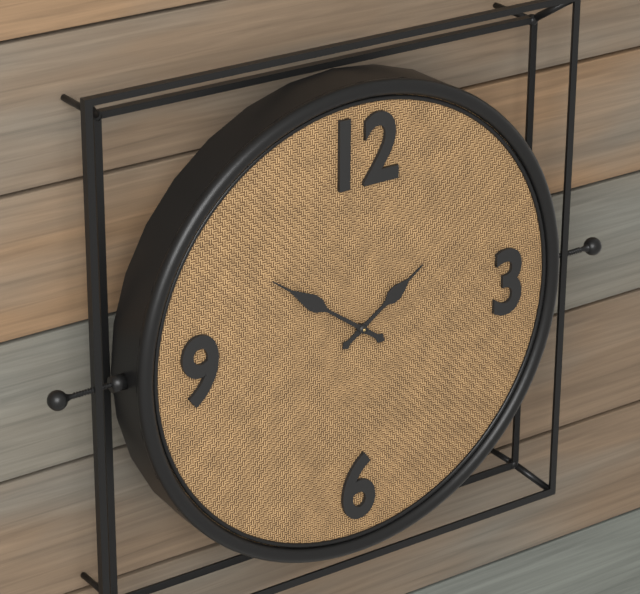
h=1 m=51
